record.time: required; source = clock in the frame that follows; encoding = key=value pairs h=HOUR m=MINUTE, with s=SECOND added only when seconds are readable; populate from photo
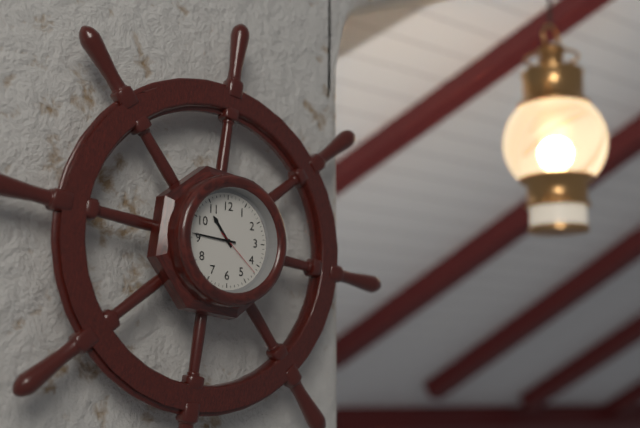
h=10 m=46 s=22
